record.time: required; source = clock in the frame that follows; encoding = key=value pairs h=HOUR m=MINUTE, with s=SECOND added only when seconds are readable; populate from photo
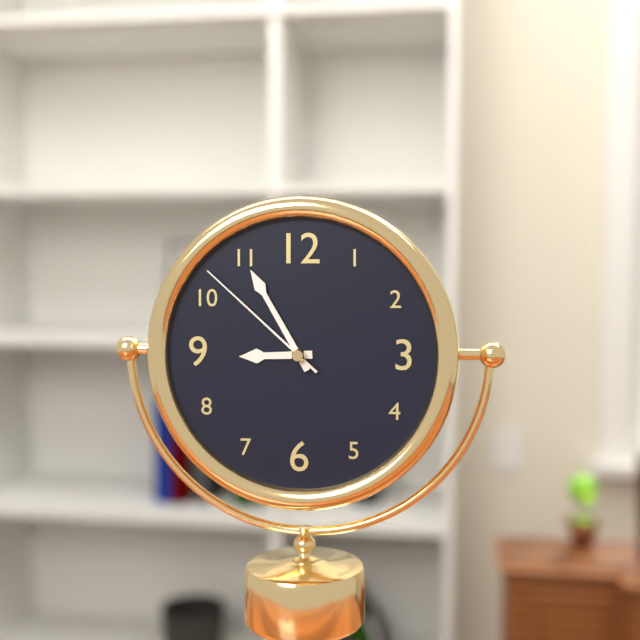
h=8 m=55 s=52
